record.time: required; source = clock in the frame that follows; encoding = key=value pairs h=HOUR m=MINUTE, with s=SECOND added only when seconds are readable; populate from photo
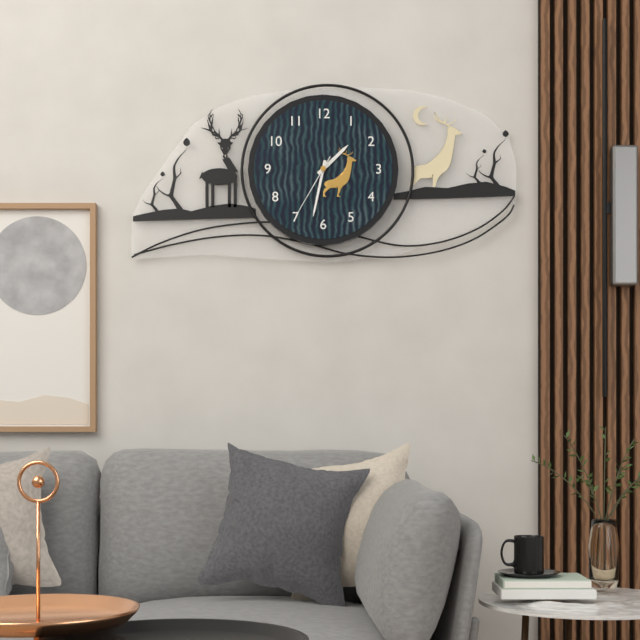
h=1 m=32 s=35
